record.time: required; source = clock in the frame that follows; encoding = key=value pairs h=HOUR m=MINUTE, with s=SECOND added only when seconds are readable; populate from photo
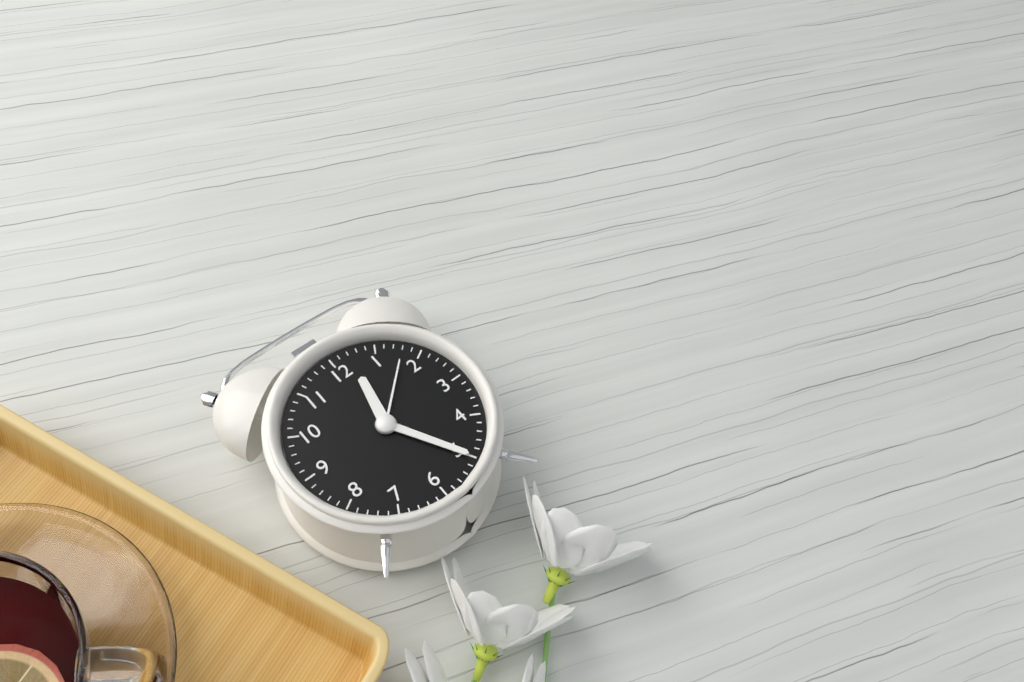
h=12 m=25 s=8
